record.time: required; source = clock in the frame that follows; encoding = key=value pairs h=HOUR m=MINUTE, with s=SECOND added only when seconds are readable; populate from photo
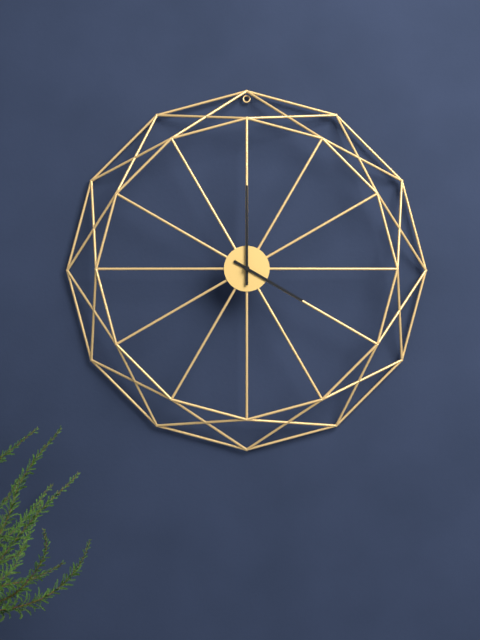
h=4 m=0
